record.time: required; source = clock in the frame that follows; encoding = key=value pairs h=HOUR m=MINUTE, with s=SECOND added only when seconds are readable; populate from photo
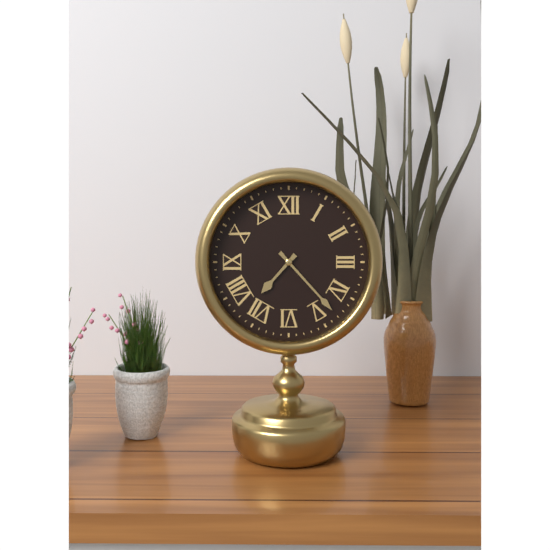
h=7 m=23
